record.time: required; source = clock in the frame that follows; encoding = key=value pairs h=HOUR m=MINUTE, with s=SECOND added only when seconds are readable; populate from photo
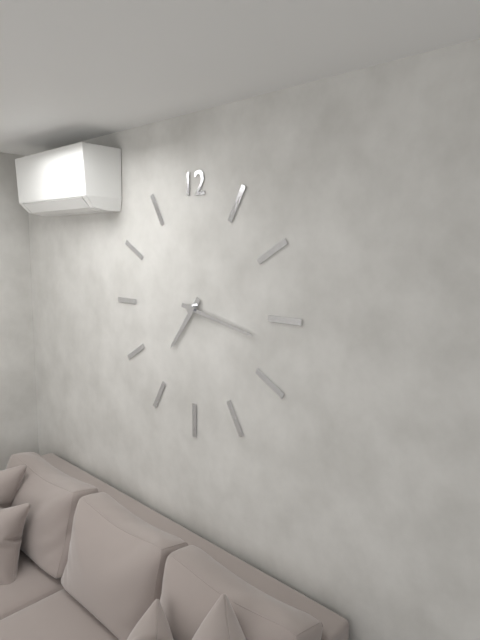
h=7 m=17
